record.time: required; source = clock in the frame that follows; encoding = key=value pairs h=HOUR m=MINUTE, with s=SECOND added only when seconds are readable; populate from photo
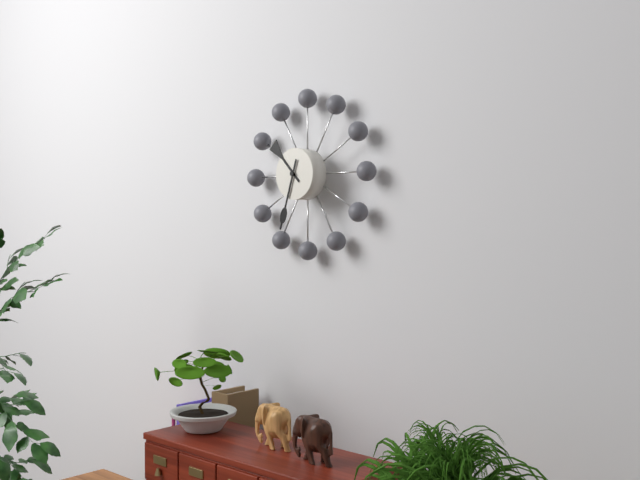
h=10 m=33
